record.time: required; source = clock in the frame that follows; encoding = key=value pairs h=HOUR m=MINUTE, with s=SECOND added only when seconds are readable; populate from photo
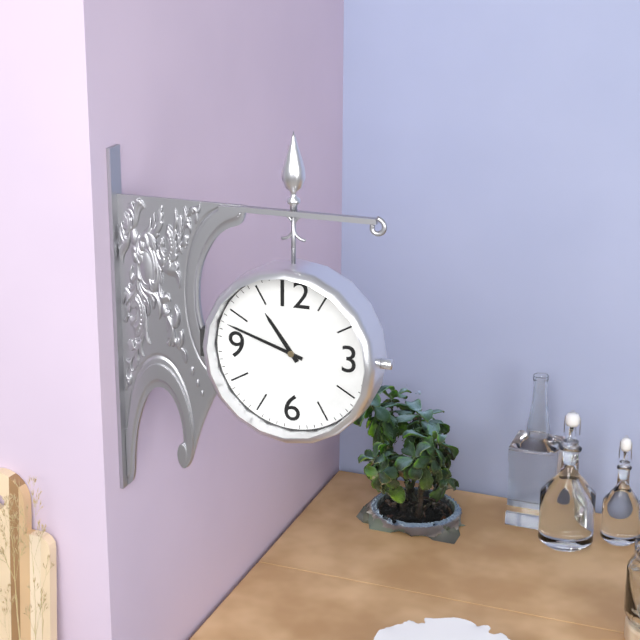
h=10 m=48
